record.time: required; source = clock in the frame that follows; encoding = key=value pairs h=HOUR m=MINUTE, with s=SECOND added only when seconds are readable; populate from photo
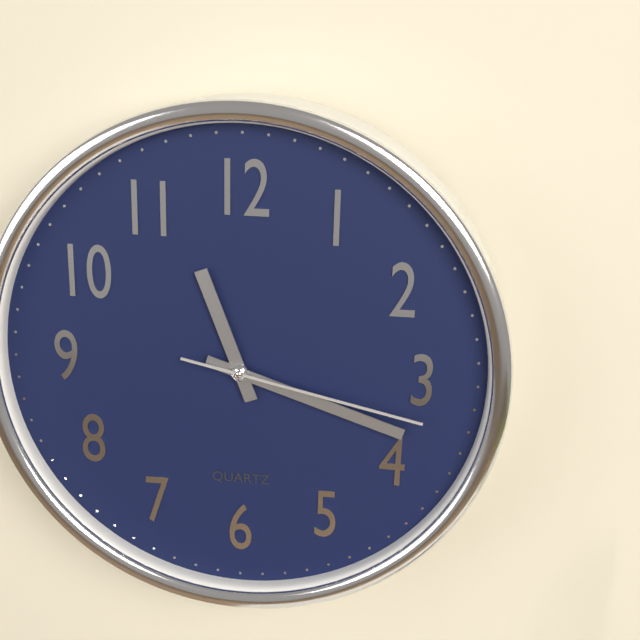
h=11 m=18 s=17
